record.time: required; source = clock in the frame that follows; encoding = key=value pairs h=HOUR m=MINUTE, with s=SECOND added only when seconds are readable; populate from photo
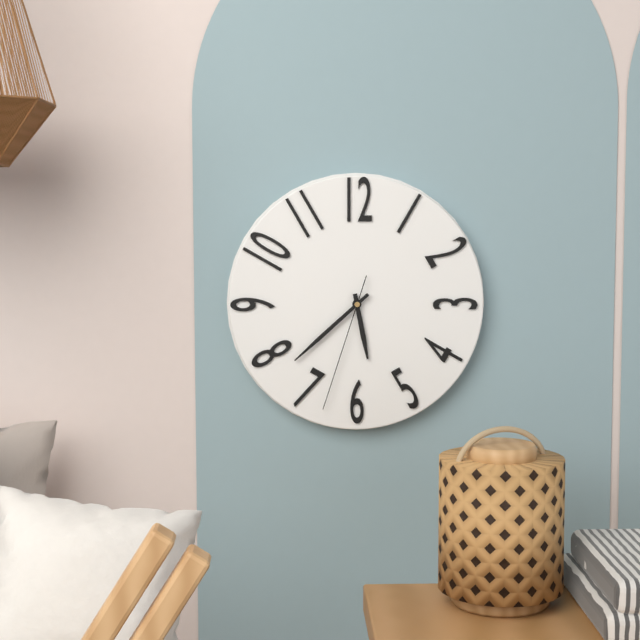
h=5 m=38 s=33
